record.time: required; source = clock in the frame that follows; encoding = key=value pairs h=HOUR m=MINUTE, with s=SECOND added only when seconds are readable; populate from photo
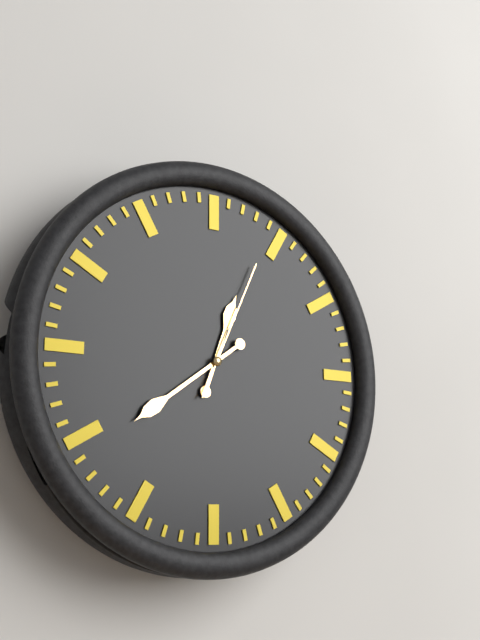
h=12 m=39 s=4
